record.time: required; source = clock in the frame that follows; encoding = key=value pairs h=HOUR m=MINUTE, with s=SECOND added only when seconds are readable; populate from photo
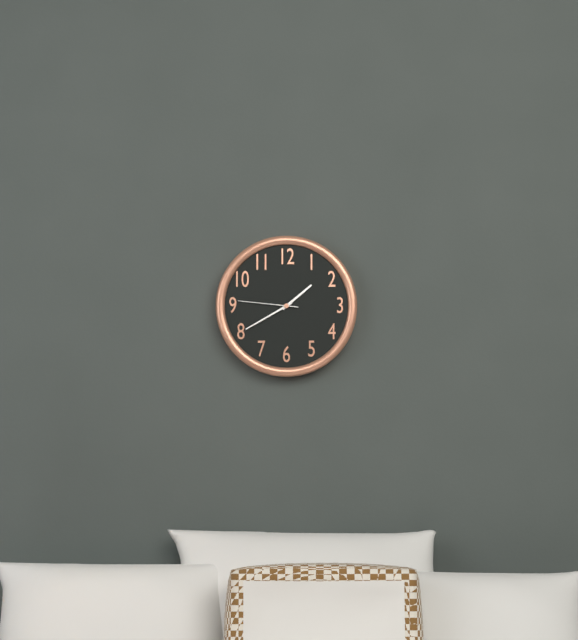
h=1 m=40 s=46
